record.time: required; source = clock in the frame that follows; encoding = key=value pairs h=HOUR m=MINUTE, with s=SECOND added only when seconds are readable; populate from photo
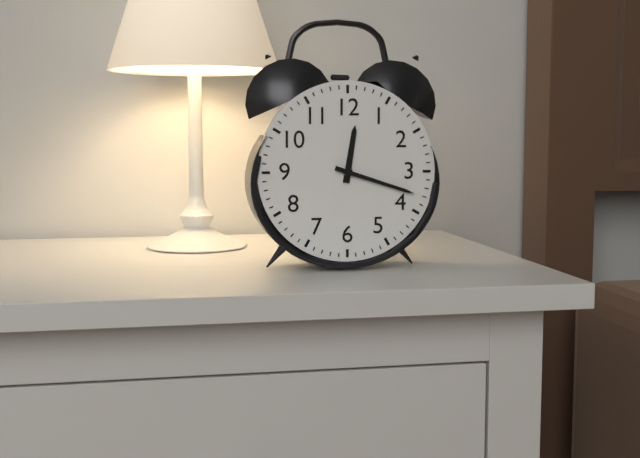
h=12 m=18
